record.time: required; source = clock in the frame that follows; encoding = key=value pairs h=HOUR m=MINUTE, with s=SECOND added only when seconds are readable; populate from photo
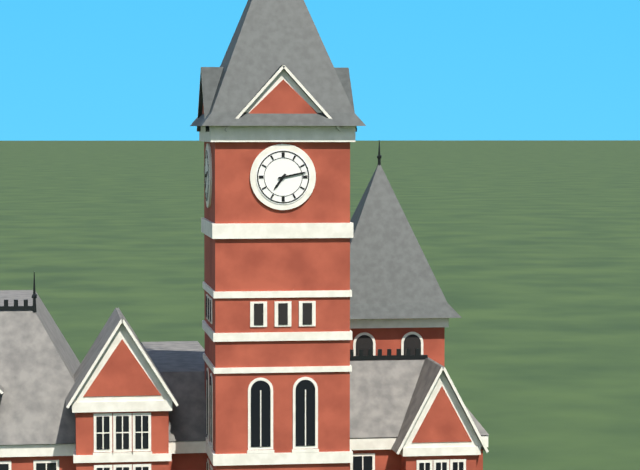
h=7 m=13
